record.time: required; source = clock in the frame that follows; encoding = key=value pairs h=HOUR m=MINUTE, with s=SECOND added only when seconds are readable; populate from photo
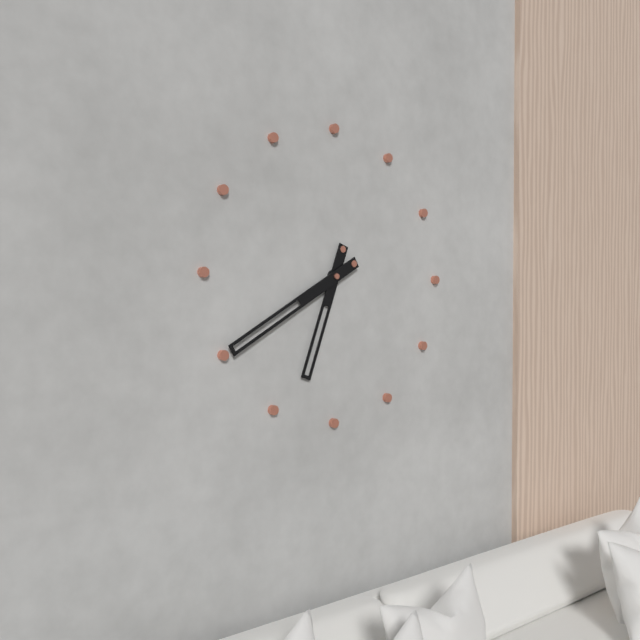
h=6 m=40
